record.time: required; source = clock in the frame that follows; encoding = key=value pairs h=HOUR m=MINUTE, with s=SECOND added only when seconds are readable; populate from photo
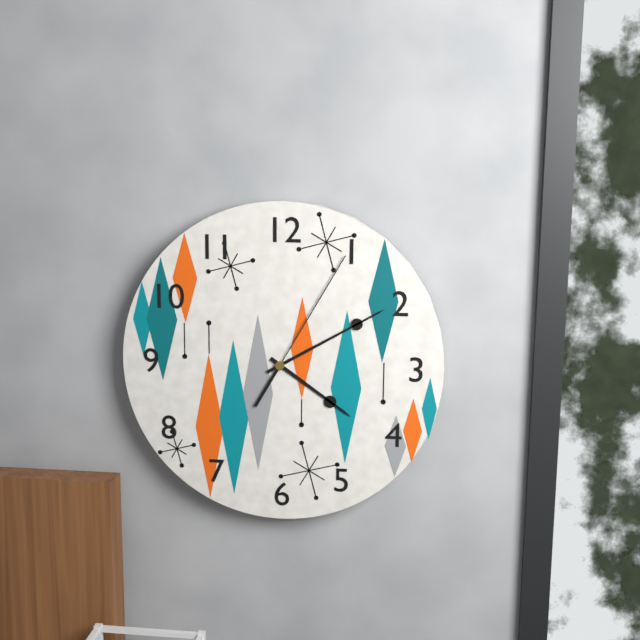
h=4 m=10 s=5
